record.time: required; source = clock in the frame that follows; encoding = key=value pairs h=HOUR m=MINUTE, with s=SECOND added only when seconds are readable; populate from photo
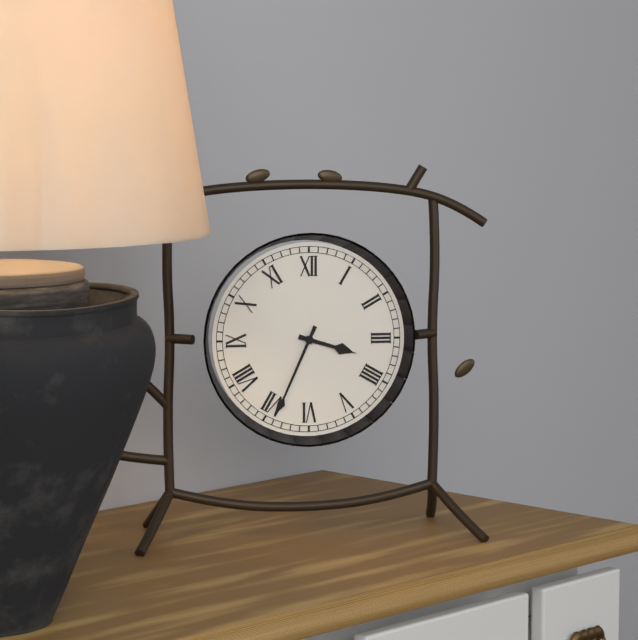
h=3 m=34
